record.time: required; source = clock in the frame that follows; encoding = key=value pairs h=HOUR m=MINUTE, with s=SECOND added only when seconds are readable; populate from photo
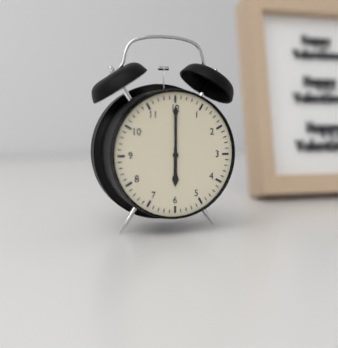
h=6 m=0
